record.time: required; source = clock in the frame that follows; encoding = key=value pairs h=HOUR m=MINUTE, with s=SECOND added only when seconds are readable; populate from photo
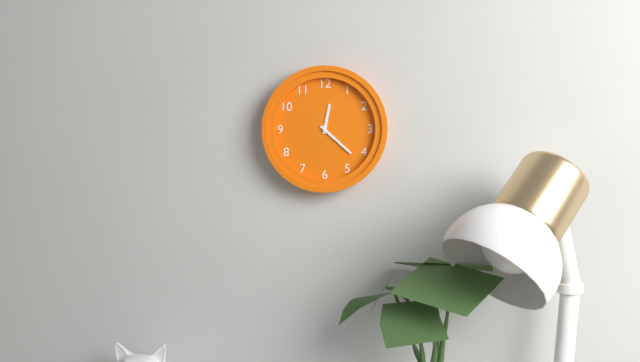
h=12 m=22
